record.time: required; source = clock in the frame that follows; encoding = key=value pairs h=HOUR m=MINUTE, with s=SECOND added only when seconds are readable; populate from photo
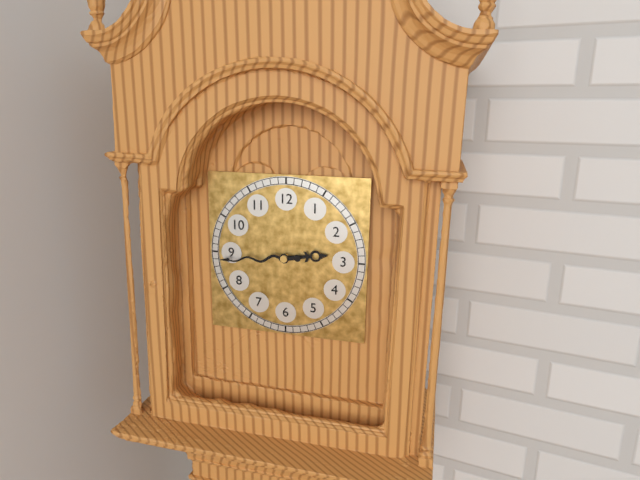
h=2 m=44
